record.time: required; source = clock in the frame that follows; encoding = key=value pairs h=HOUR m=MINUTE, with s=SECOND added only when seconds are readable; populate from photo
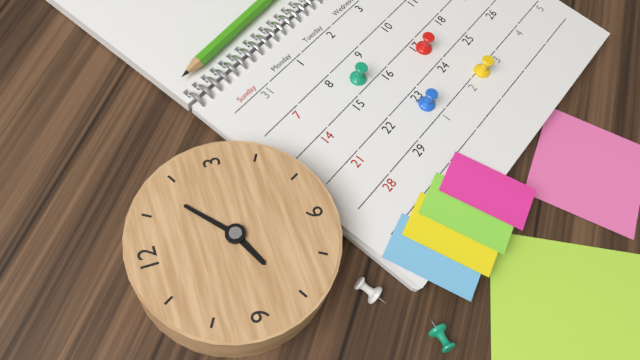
h=8 m=8
